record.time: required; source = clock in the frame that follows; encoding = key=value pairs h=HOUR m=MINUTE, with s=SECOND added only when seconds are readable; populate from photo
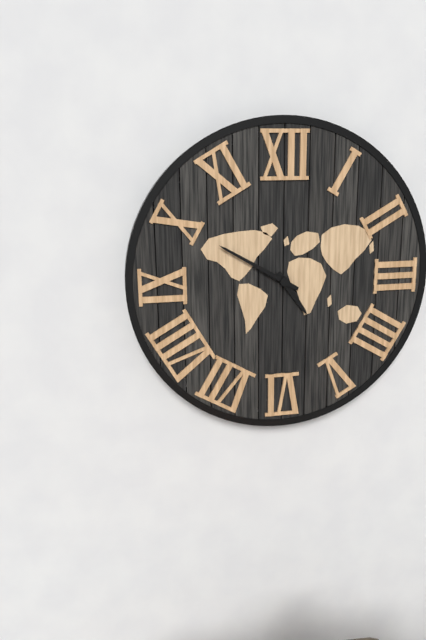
h=4 m=50
